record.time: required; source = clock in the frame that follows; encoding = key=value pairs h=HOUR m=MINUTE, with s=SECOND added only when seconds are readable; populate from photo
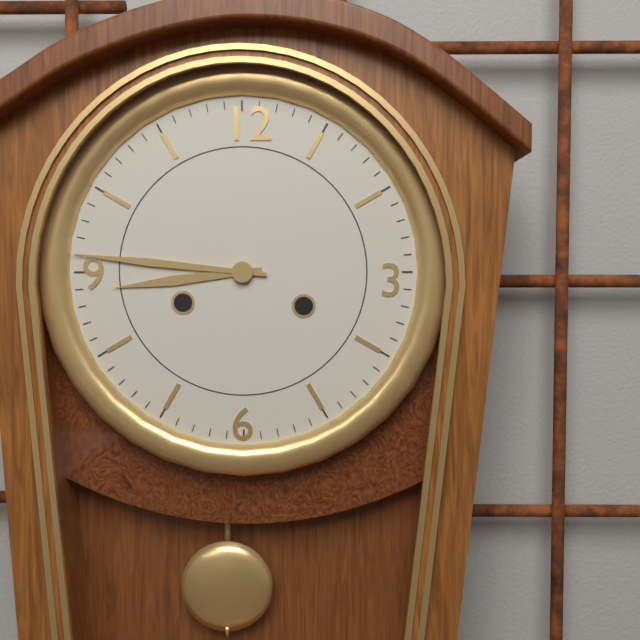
h=8 m=46
